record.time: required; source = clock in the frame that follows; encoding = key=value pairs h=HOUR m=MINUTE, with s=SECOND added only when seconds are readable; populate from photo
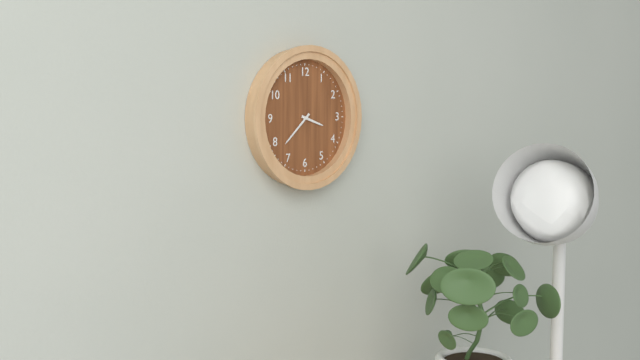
h=3 m=38
